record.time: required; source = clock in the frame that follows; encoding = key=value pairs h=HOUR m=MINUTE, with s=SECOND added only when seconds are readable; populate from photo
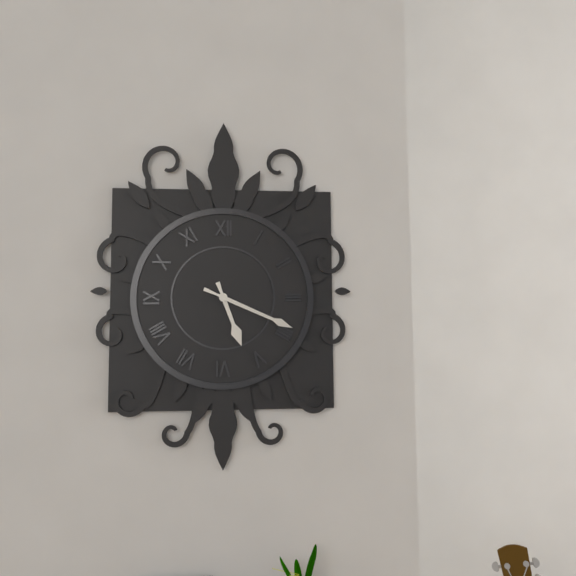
h=5 m=19
